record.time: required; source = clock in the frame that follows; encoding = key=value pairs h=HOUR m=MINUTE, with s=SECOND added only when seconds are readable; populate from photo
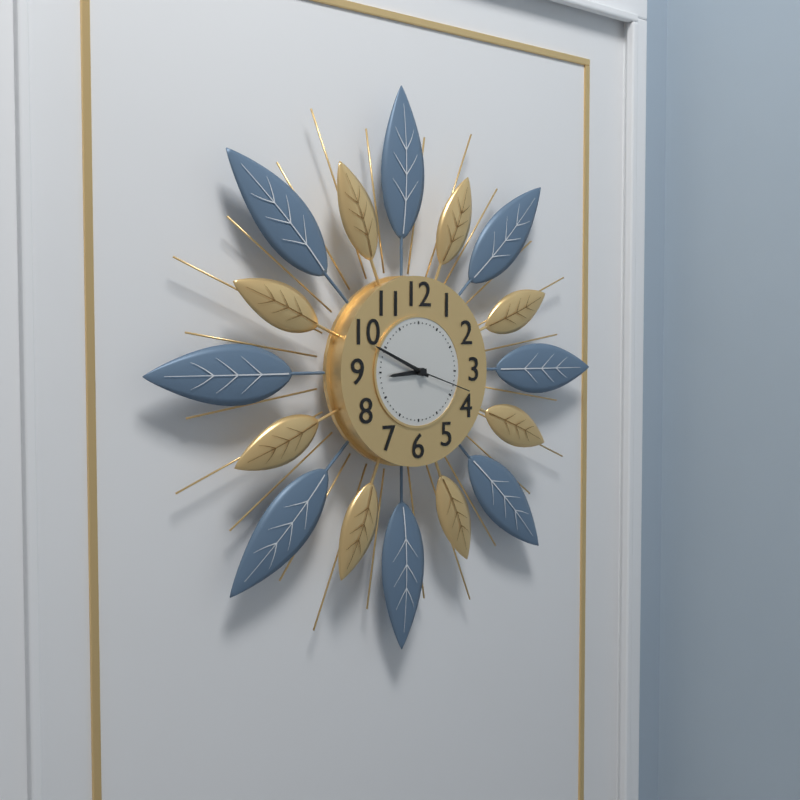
h=8 m=49 s=18
